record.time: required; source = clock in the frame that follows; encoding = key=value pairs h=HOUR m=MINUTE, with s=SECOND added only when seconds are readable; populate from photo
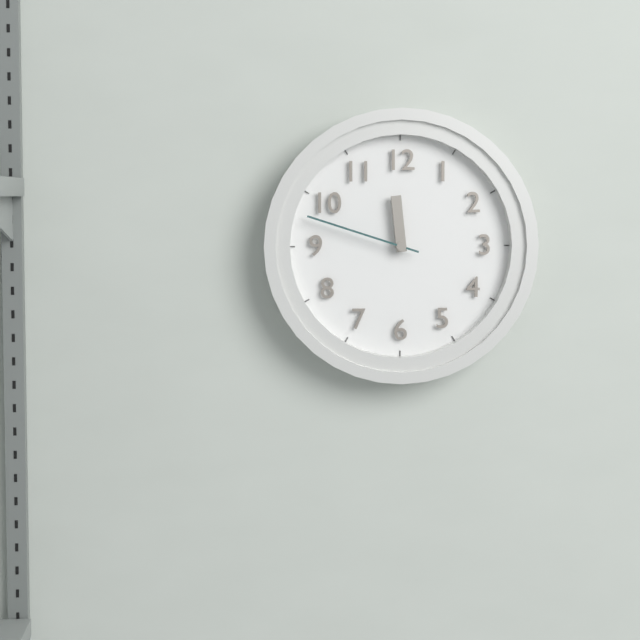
h=11 m=48
